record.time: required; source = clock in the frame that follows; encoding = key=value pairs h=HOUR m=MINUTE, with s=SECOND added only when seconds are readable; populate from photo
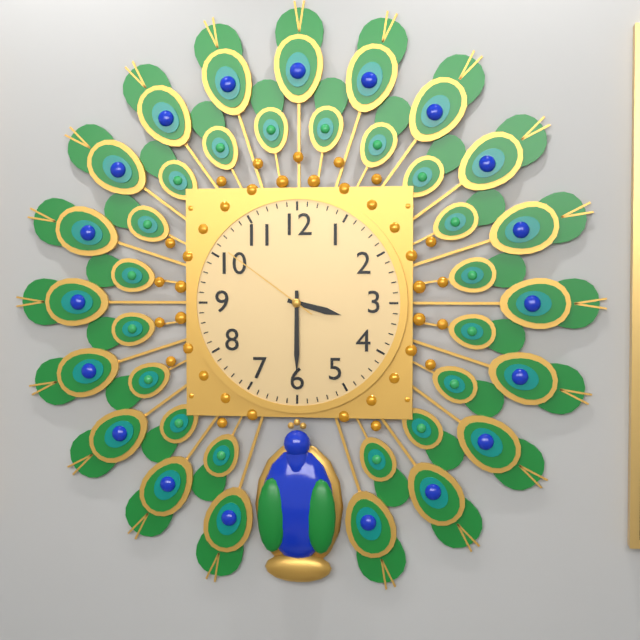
h=3 m=30 s=51
